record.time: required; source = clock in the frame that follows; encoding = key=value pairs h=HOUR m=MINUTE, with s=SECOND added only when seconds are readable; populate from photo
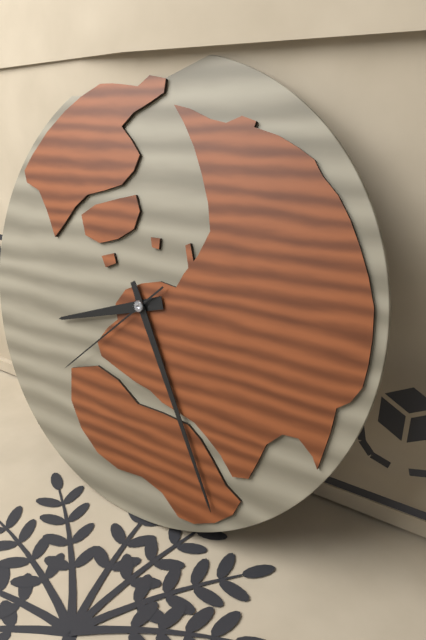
h=8 m=25 s=38
